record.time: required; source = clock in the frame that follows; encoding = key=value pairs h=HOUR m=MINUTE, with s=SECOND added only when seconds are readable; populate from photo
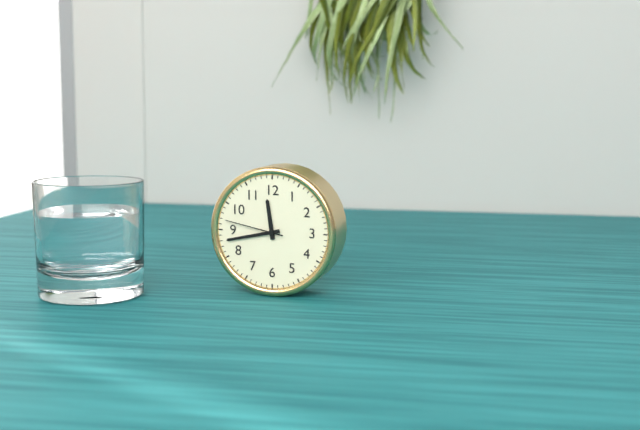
h=11 m=43 s=47
